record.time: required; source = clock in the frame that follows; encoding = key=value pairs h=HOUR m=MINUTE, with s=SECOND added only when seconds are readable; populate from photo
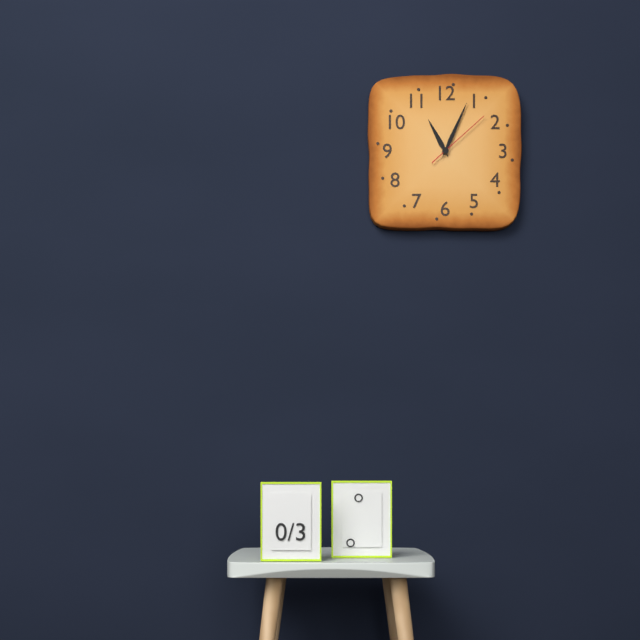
h=11 m=4 s=8
